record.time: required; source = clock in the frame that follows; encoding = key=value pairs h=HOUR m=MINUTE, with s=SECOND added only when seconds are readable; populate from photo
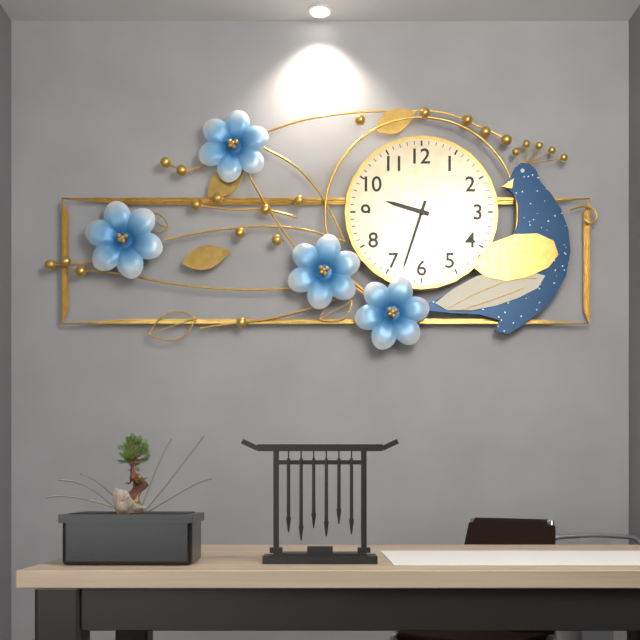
h=9 m=33
